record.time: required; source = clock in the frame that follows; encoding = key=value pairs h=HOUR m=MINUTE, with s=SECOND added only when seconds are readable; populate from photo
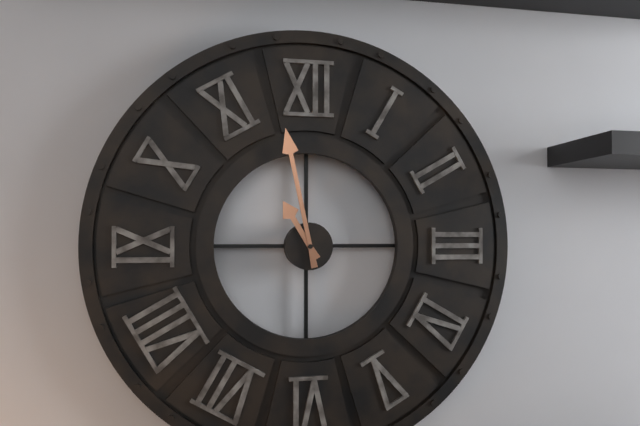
h=10 m=58
